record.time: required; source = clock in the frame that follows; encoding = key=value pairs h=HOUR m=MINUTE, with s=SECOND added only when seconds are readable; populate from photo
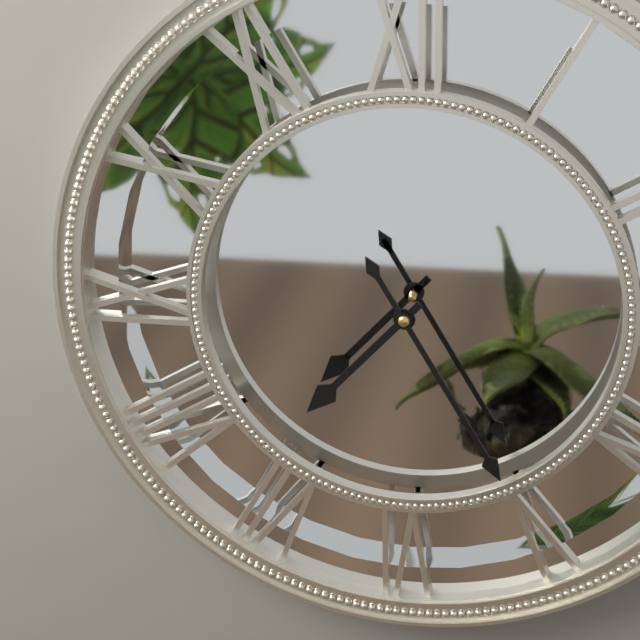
h=7 m=25
